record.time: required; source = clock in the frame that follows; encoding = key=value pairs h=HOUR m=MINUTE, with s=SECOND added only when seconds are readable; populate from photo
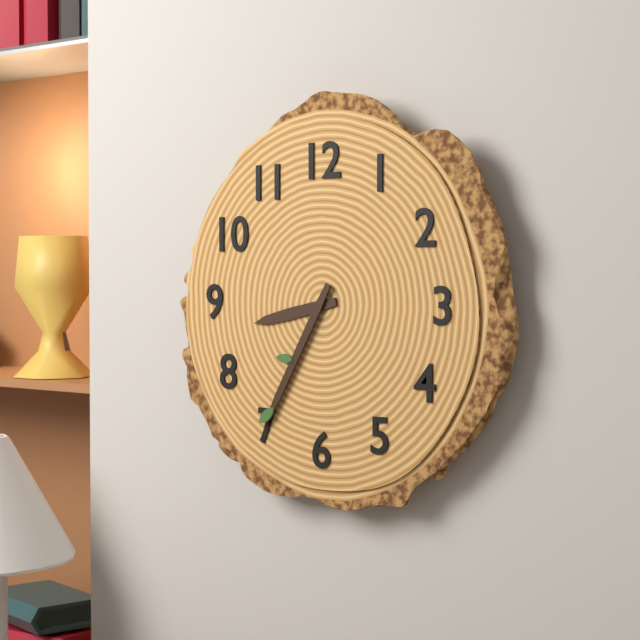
h=8 m=35
